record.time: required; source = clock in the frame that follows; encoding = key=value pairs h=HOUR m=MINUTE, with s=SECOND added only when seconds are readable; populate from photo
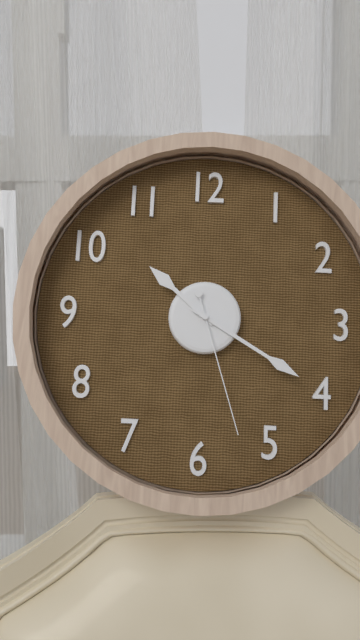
h=10 m=20 s=27
